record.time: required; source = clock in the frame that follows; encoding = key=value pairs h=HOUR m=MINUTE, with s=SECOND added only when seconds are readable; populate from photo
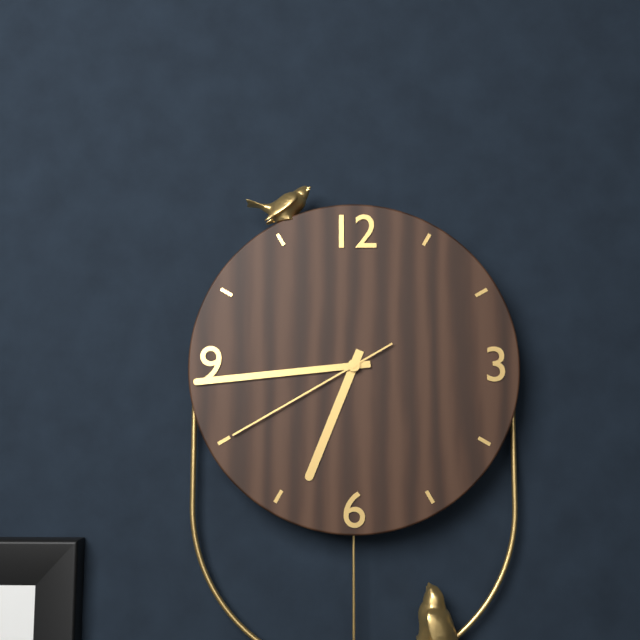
h=6 m=44 s=40
